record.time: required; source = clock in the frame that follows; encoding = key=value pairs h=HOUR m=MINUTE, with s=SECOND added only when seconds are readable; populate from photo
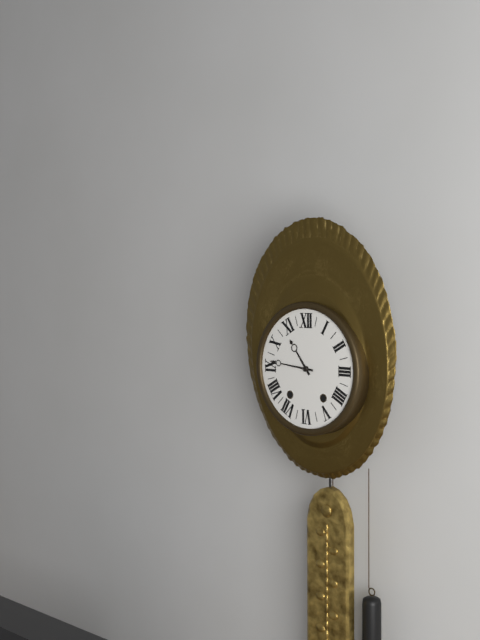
h=10 m=46
